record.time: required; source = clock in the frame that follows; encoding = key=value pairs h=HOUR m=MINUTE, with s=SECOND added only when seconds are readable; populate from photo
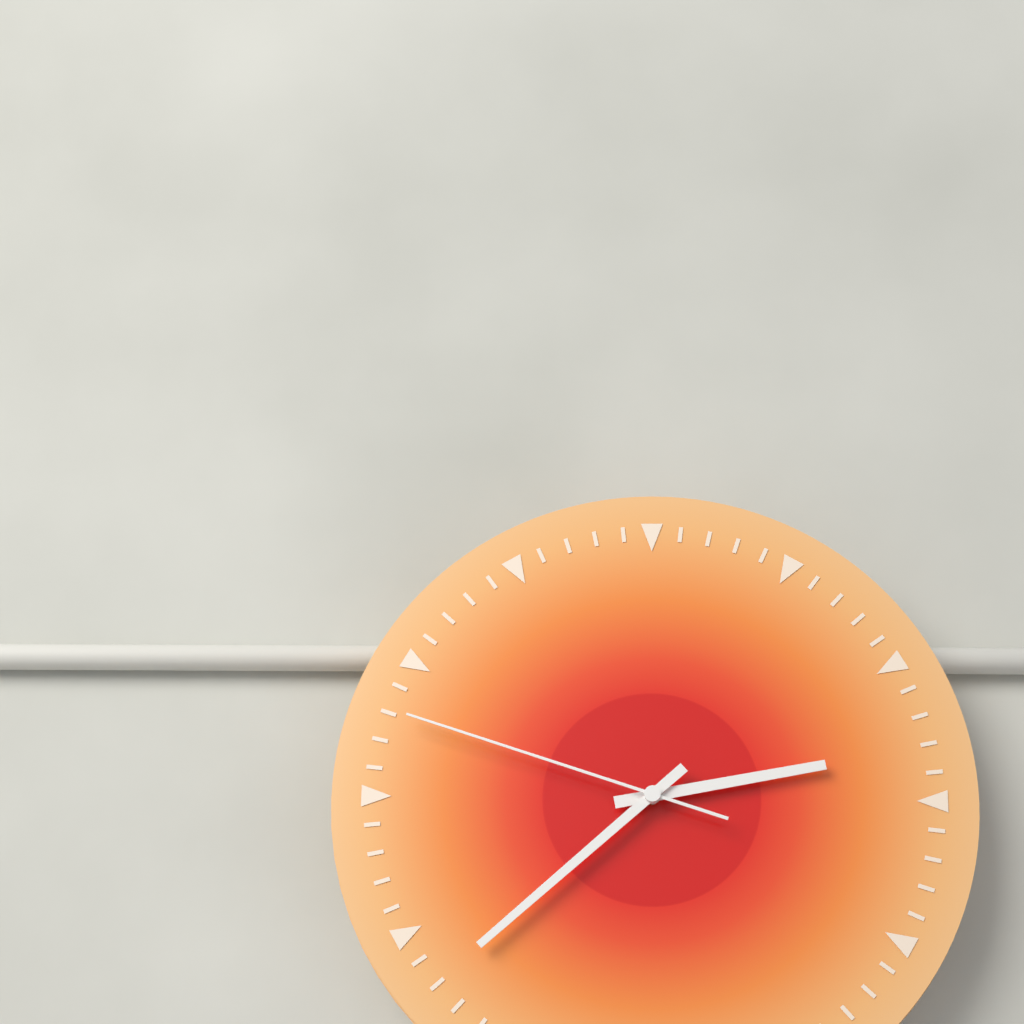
h=2 m=38 s=48
